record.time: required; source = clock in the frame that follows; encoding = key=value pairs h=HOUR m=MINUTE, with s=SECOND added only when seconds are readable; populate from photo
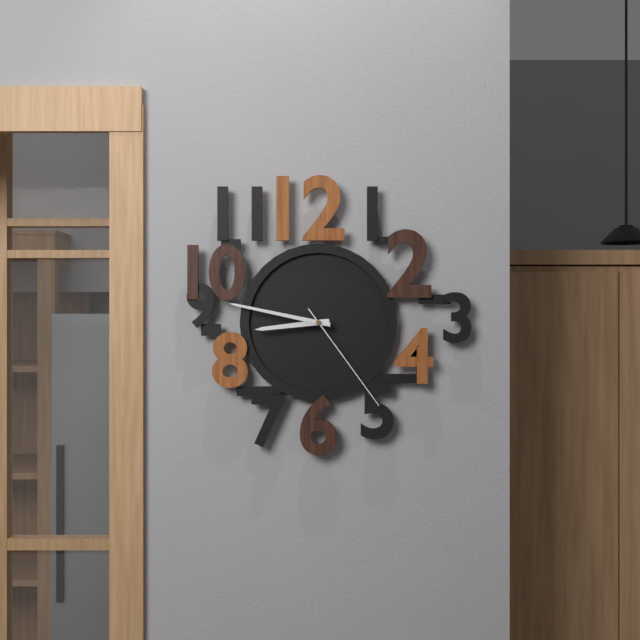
h=8 m=47 s=24
